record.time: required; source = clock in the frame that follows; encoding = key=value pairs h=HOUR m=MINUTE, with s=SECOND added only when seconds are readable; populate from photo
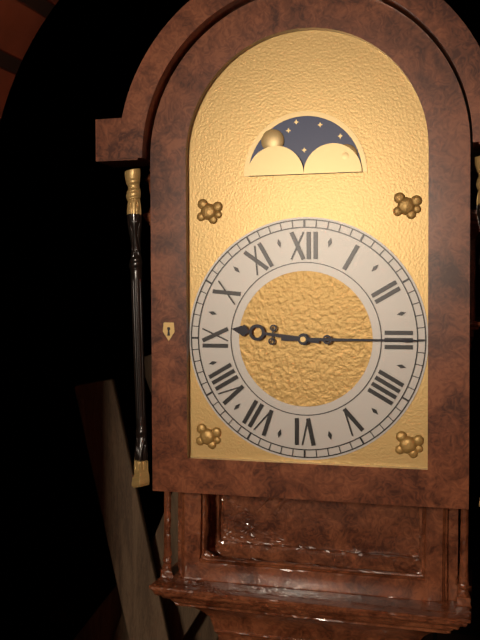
h=9 m=15
